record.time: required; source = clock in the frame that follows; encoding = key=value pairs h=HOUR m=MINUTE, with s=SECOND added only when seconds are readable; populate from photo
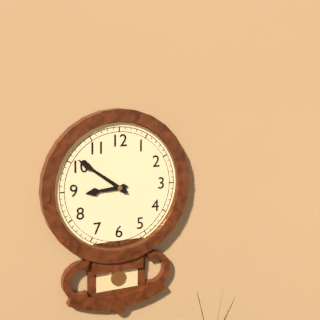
h=8 m=51
